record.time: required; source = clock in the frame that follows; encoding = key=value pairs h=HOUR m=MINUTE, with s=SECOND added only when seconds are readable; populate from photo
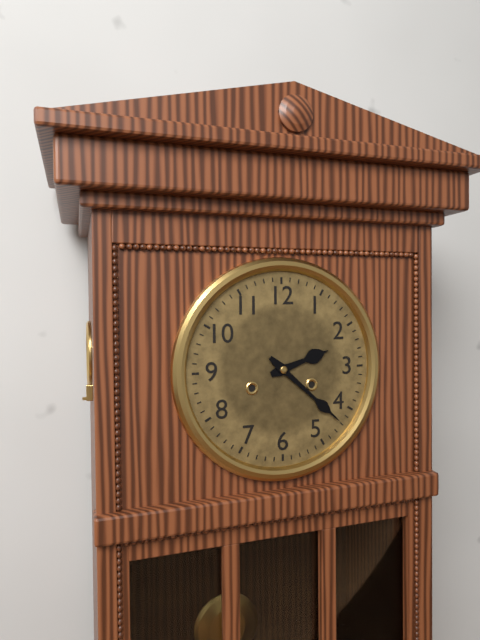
h=2 m=22
